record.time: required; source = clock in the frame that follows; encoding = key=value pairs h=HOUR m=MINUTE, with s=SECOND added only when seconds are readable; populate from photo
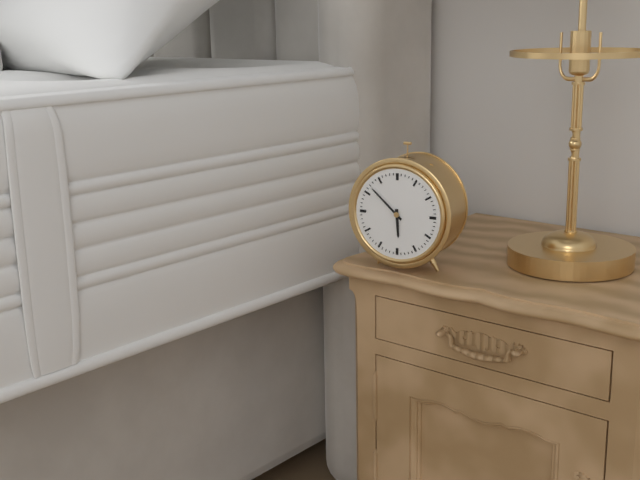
h=5 m=52
